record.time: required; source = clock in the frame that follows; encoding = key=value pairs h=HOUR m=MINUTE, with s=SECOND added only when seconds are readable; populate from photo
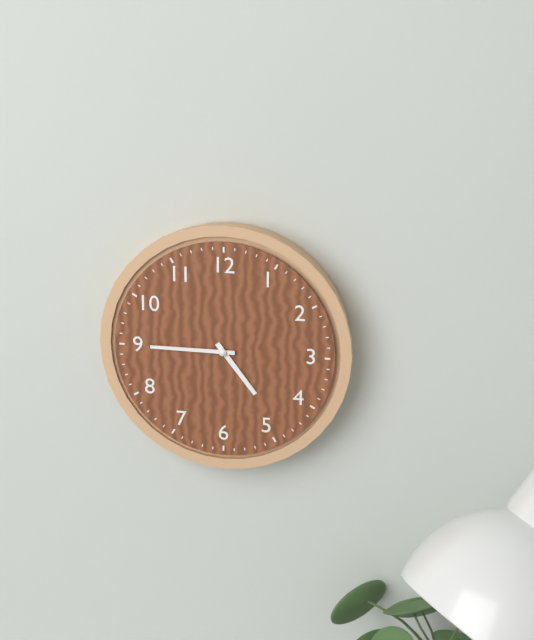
h=4 m=45
